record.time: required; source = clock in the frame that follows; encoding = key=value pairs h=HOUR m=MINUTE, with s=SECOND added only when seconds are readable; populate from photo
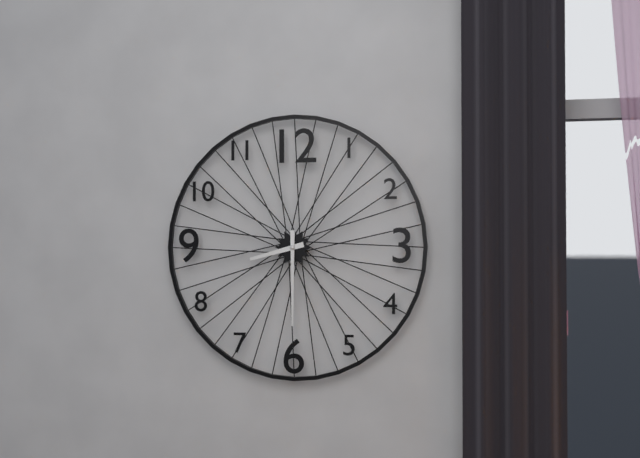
h=8 m=30
